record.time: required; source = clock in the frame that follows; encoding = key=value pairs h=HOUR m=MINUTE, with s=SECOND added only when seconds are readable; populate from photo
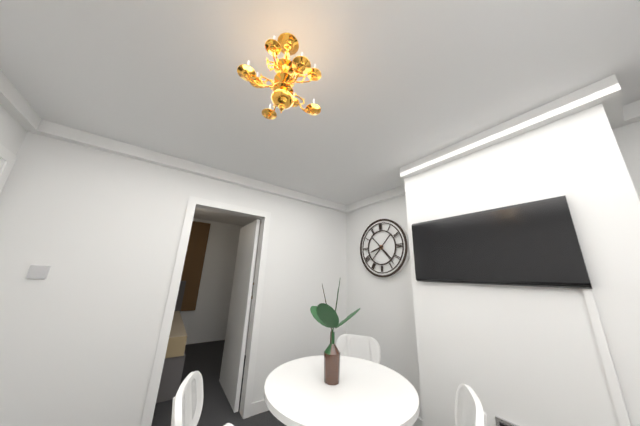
h=8 m=23
